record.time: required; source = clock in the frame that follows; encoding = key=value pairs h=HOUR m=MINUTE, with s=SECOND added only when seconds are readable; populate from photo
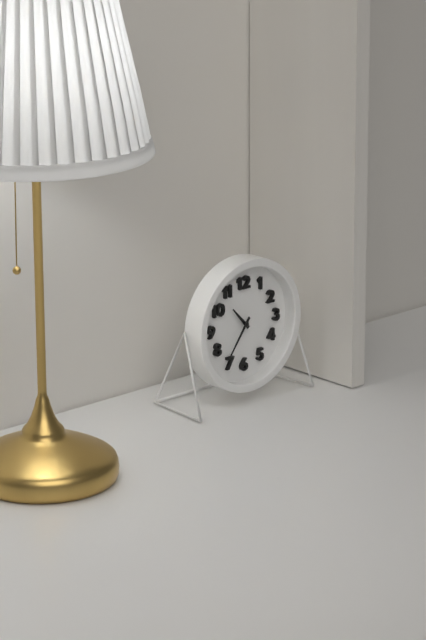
h=10 m=36
